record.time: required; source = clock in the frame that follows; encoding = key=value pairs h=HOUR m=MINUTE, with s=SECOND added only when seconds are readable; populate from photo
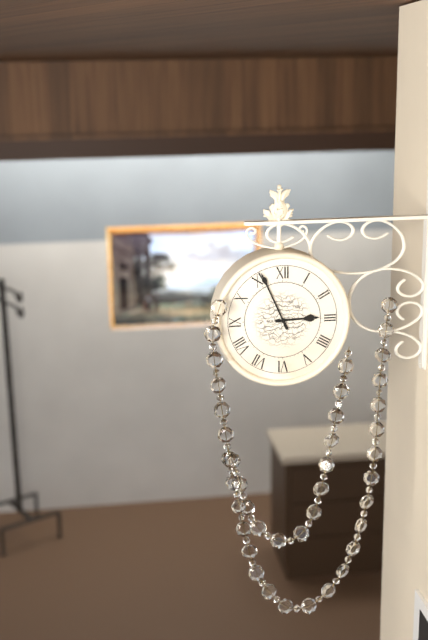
h=2 m=56
